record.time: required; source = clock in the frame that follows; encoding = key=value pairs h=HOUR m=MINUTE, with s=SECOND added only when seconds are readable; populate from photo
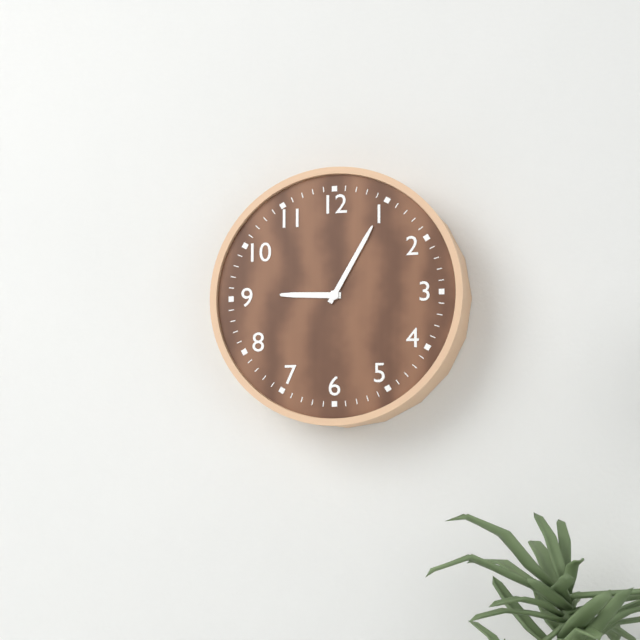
h=9 m=5
